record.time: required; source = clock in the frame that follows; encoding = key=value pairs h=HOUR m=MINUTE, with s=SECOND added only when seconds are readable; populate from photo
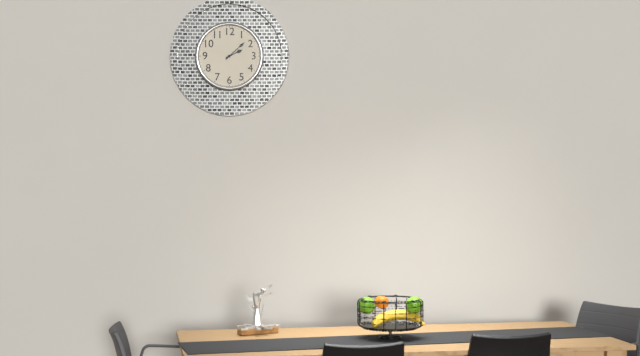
h=2 m=8
